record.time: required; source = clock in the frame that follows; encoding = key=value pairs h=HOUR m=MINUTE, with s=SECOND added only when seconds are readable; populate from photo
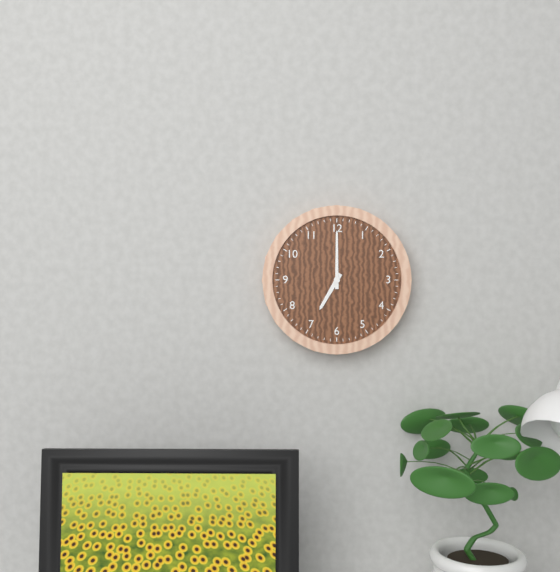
h=7 m=0
